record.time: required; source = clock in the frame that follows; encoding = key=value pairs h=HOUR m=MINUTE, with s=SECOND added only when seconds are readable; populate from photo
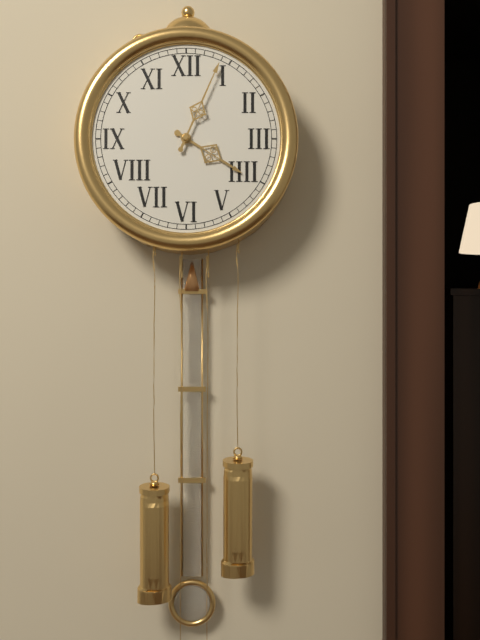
h=4 m=4
